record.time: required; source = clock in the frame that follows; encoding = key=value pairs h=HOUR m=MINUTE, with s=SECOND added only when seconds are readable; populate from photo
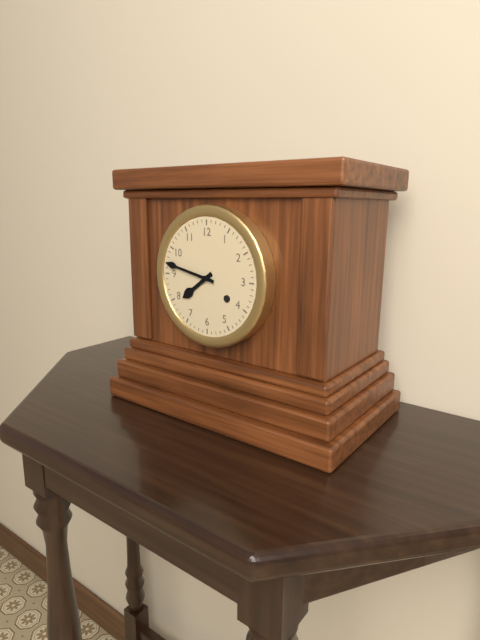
h=7 m=47
